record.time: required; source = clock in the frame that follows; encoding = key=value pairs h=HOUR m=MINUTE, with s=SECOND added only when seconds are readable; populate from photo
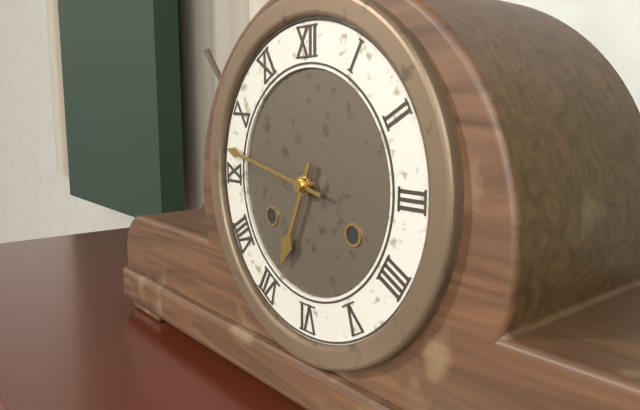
h=6 m=47
